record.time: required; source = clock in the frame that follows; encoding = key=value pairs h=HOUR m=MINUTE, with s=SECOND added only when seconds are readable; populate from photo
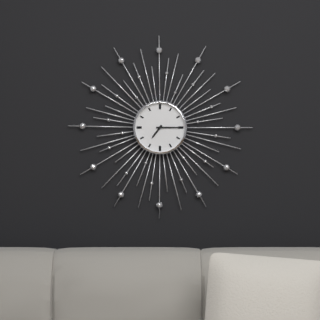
h=7 m=15
